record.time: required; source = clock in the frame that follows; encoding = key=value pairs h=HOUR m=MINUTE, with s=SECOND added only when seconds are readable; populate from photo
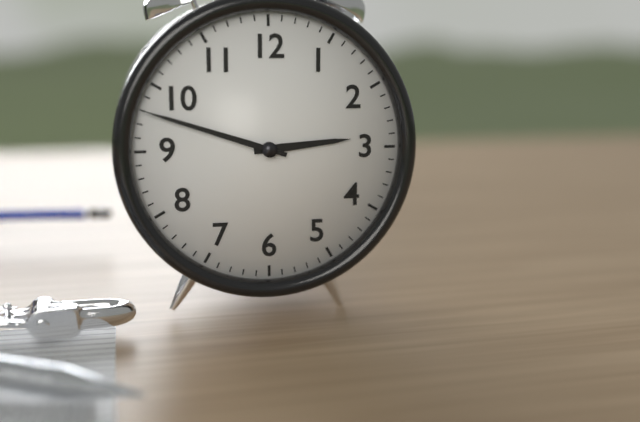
h=2 m=48
